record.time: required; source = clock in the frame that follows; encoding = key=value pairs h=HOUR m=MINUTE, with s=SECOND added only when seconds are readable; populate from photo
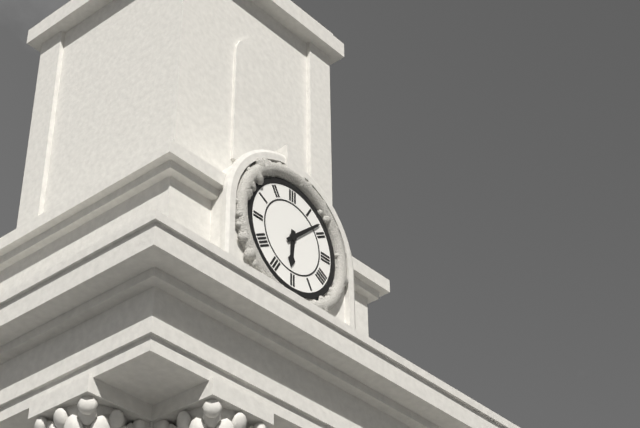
h=6 m=8
